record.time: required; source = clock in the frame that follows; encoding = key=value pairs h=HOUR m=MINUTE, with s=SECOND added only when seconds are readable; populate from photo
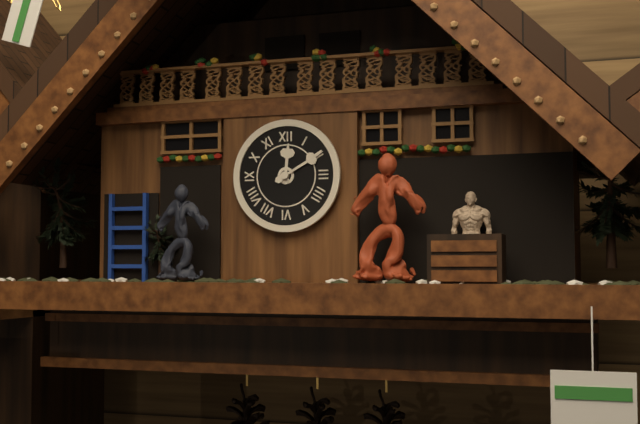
h=12 m=10
